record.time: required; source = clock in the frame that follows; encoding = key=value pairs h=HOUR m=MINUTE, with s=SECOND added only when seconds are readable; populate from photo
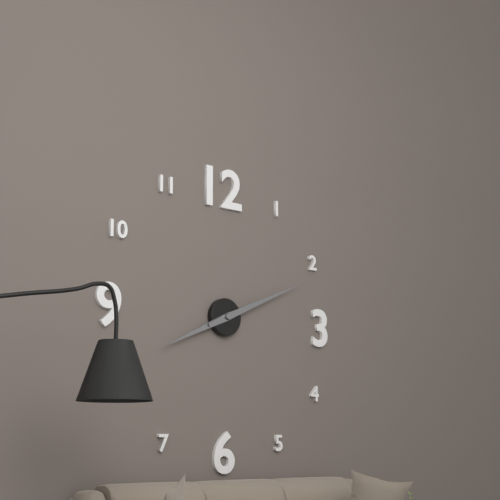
h=8 m=11
